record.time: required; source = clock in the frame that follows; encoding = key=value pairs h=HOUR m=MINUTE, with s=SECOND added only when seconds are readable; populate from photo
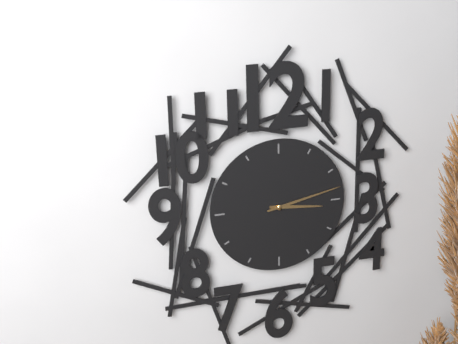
h=3 m=13
